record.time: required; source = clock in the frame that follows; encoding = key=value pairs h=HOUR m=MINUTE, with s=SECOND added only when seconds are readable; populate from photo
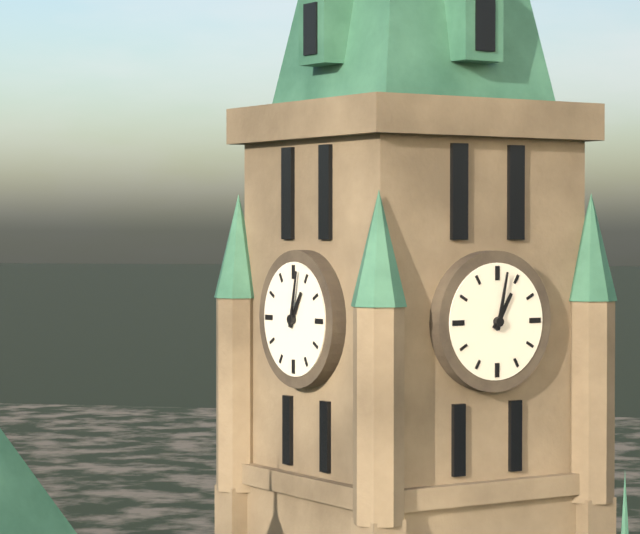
h=1 m=2
